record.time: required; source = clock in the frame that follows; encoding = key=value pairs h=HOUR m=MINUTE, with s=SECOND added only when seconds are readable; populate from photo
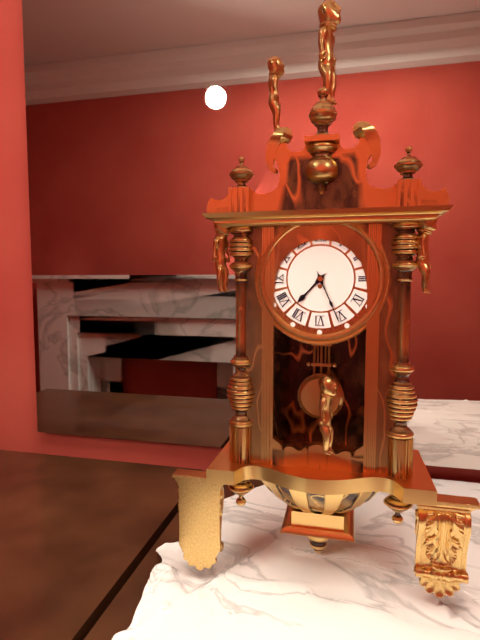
h=7 m=26
